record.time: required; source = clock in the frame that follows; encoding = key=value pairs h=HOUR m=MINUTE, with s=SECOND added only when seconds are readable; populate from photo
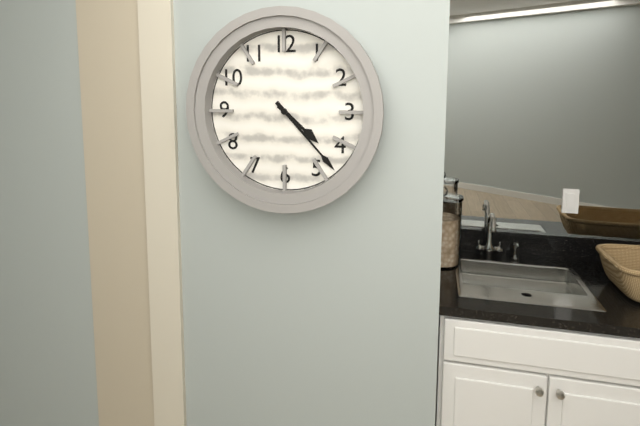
h=4 m=23
